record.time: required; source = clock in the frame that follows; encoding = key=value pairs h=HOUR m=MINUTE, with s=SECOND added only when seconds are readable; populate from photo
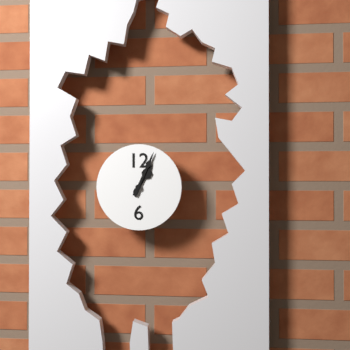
h=1 m=4
